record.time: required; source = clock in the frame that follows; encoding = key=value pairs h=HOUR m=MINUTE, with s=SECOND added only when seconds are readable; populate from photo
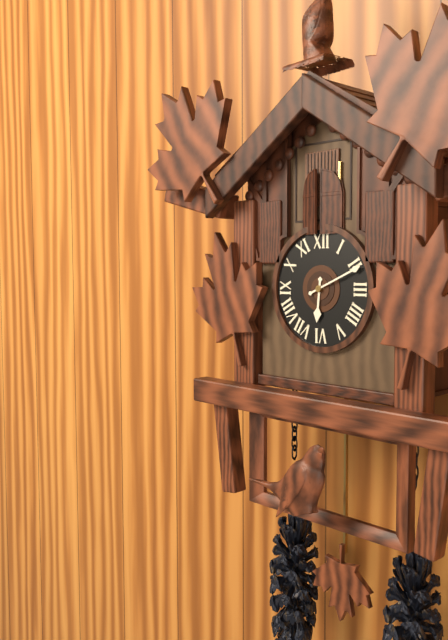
h=6 m=11
